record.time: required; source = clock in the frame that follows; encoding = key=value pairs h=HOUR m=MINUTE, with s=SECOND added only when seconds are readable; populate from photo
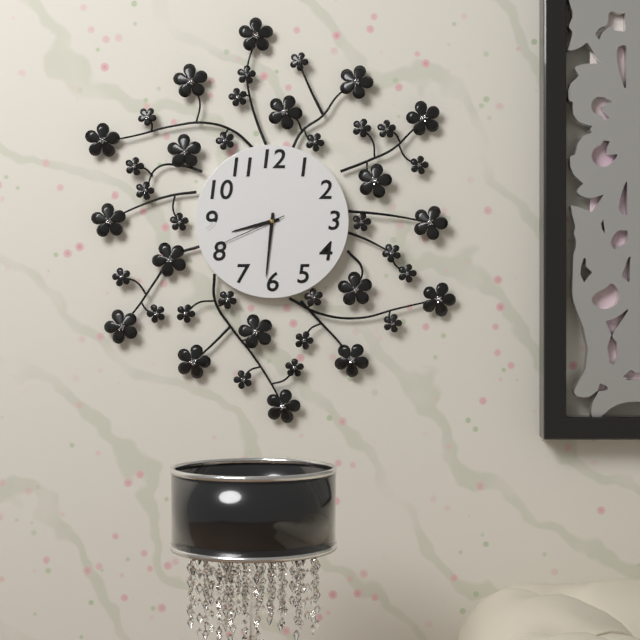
h=8 m=31 s=41
